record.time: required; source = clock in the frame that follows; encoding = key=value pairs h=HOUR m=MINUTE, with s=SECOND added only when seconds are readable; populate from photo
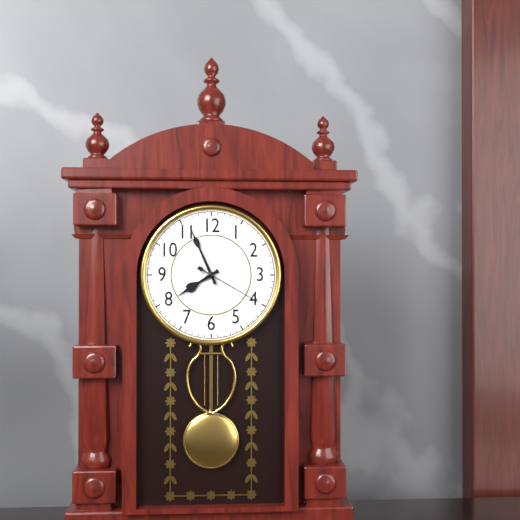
h=7 m=56 s=20
